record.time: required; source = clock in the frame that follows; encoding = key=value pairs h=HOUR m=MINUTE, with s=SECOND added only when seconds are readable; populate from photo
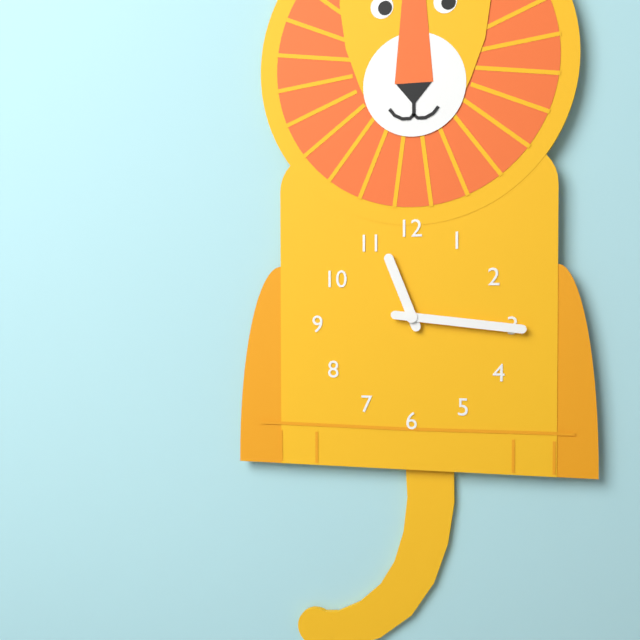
h=11 m=16
